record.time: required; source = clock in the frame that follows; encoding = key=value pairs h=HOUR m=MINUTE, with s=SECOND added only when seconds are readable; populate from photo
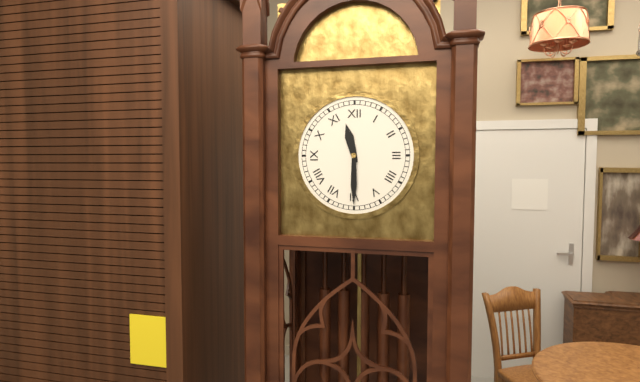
h=11 m=30
